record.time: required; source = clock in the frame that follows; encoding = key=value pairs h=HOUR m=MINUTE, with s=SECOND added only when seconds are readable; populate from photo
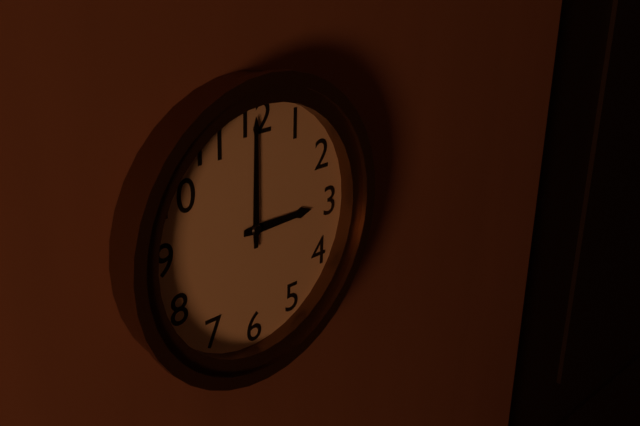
h=3 m=0
